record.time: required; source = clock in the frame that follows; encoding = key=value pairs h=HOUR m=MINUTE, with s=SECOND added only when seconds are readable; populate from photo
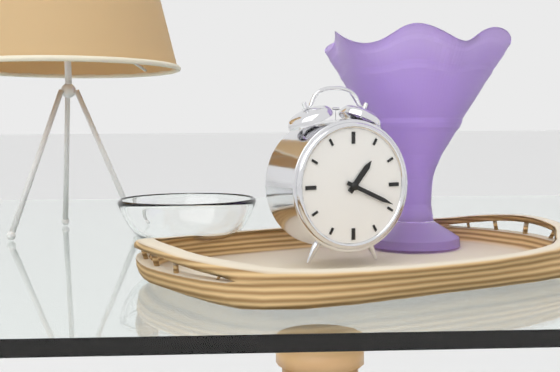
h=1 m=19
